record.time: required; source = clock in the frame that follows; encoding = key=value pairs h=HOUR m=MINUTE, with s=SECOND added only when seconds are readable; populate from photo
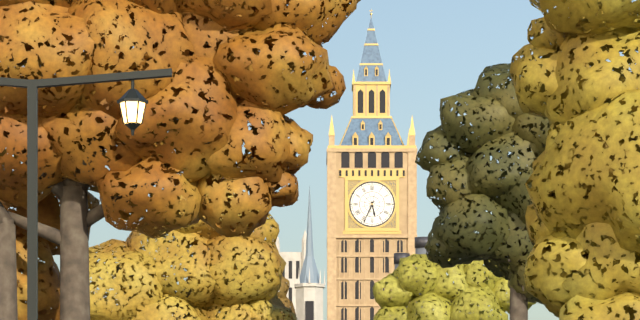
h=5 m=34
